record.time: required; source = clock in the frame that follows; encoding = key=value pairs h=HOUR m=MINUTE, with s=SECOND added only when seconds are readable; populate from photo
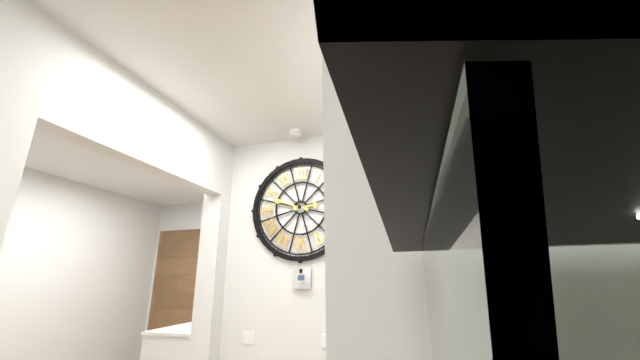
h=2 m=48
